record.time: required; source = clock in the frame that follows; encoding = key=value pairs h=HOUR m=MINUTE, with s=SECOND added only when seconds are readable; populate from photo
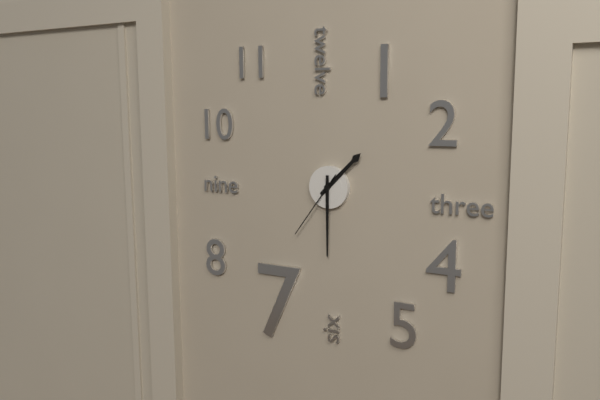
h=1 m=30 s=36
